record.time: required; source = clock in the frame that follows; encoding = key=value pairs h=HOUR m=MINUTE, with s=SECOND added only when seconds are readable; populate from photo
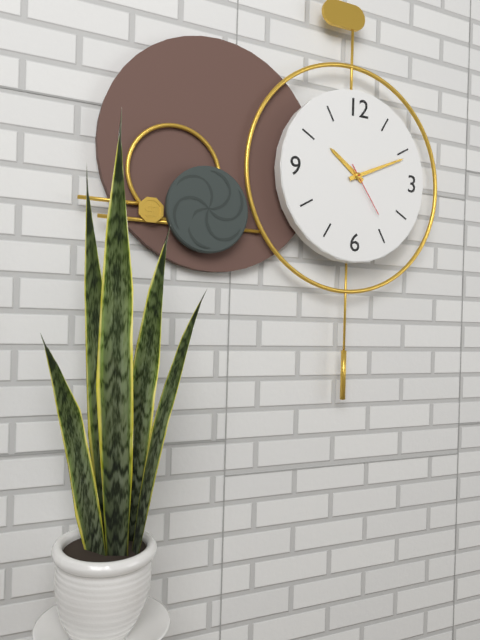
h=10 m=11 s=24
